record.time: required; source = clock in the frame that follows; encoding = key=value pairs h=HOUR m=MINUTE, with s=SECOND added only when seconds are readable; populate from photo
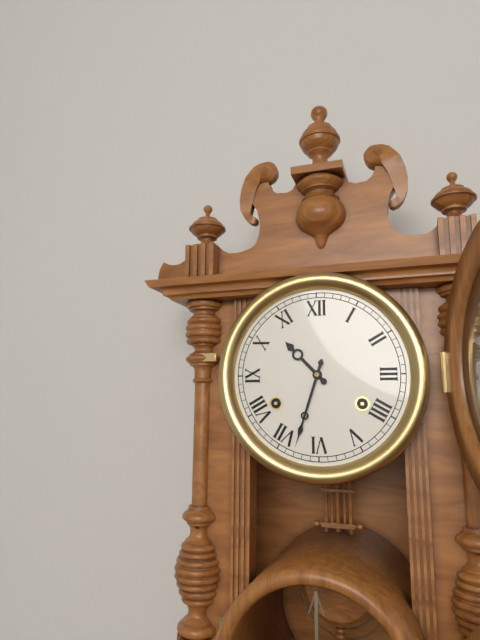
h=10 m=33
